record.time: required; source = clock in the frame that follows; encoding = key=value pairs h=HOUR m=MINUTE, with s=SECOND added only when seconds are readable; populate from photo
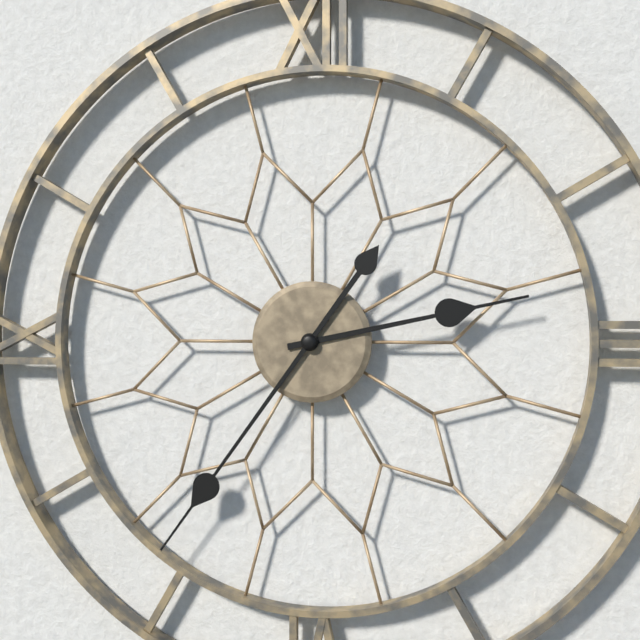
h=2 m=36
